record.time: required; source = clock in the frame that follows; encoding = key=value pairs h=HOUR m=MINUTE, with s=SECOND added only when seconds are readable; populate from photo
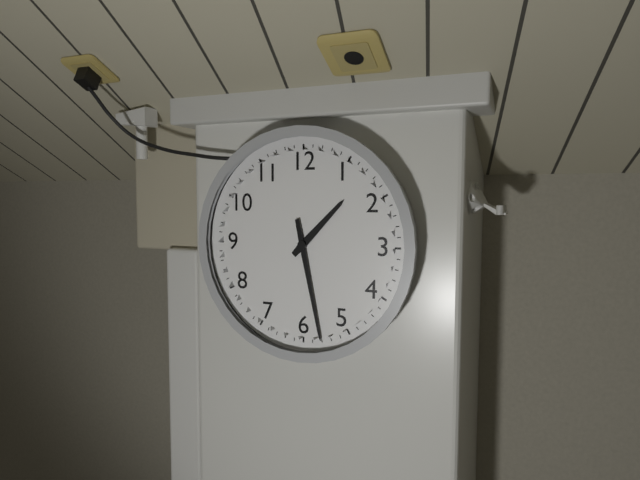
h=1 m=28
